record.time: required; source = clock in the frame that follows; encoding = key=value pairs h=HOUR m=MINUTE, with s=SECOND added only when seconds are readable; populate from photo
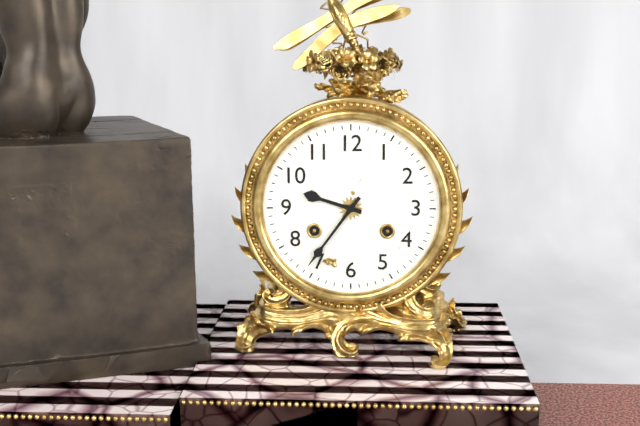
h=9 m=36
